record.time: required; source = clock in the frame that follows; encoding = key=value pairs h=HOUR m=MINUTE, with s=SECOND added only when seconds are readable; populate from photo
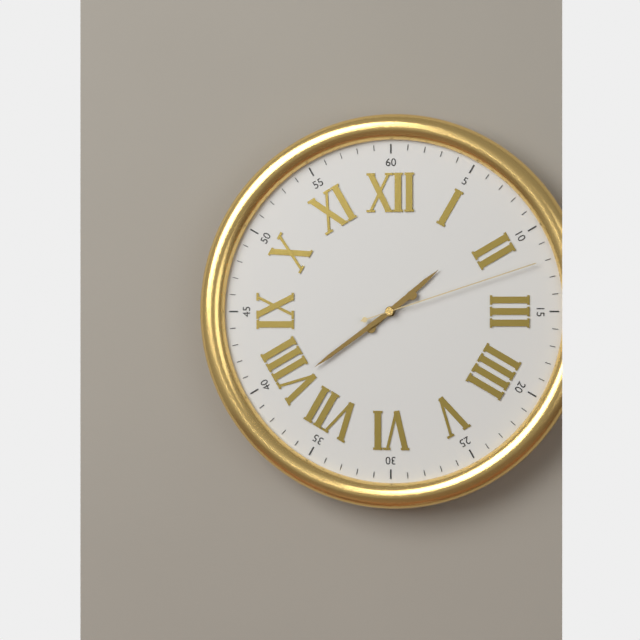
h=1 m=39 s=12
